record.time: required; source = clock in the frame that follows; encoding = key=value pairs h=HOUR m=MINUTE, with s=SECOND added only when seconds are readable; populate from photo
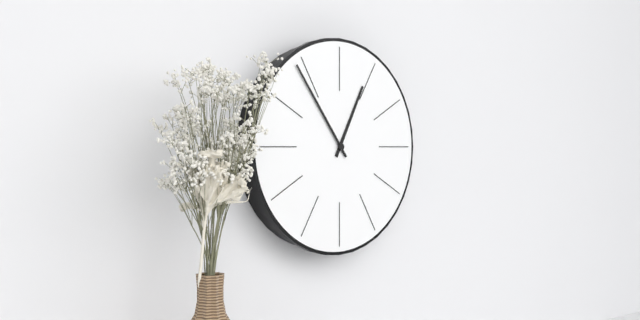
h=12 m=54
